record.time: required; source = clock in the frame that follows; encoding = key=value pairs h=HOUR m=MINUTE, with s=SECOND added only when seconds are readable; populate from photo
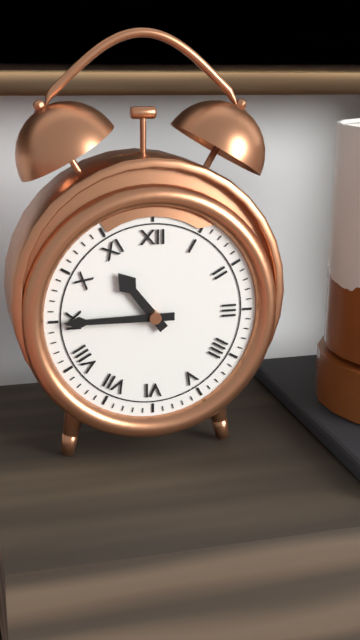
h=10 m=45
